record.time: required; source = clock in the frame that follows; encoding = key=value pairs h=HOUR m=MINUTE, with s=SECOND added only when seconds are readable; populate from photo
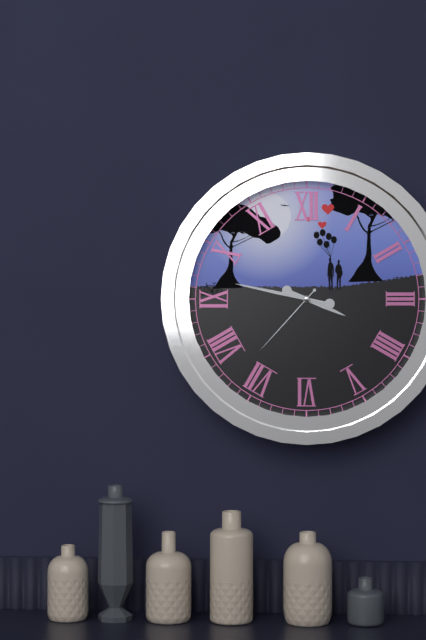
h=3 m=47 s=37
